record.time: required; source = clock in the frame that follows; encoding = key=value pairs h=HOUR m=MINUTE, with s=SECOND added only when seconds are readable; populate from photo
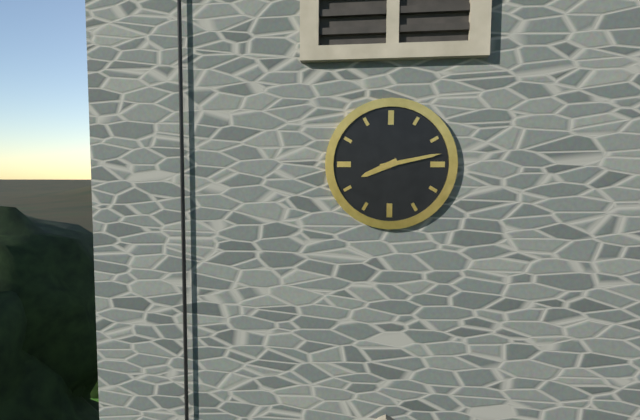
h=8 m=13
